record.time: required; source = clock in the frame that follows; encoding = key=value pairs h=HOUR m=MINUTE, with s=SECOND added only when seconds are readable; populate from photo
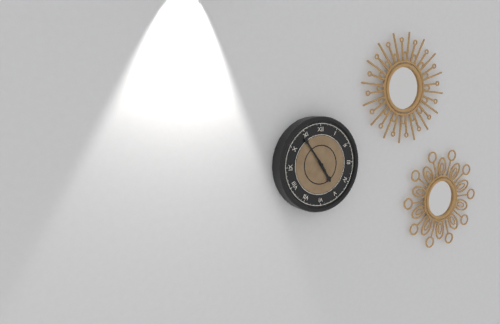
h=4 m=54
